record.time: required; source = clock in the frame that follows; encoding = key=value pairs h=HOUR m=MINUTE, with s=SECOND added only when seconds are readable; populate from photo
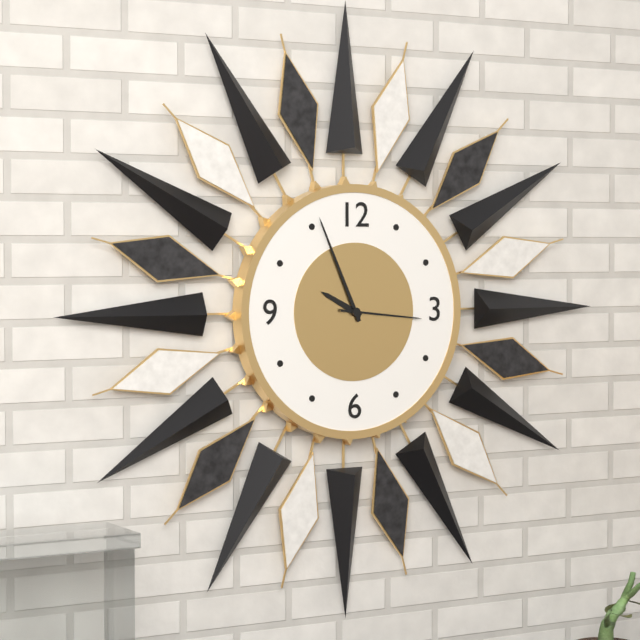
h=9 m=56 s=16
